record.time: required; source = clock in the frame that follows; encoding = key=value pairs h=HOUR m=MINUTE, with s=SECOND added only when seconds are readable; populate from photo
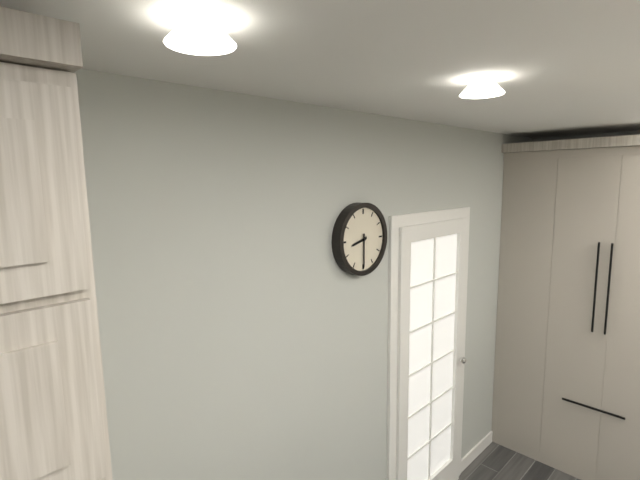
h=8 m=30
